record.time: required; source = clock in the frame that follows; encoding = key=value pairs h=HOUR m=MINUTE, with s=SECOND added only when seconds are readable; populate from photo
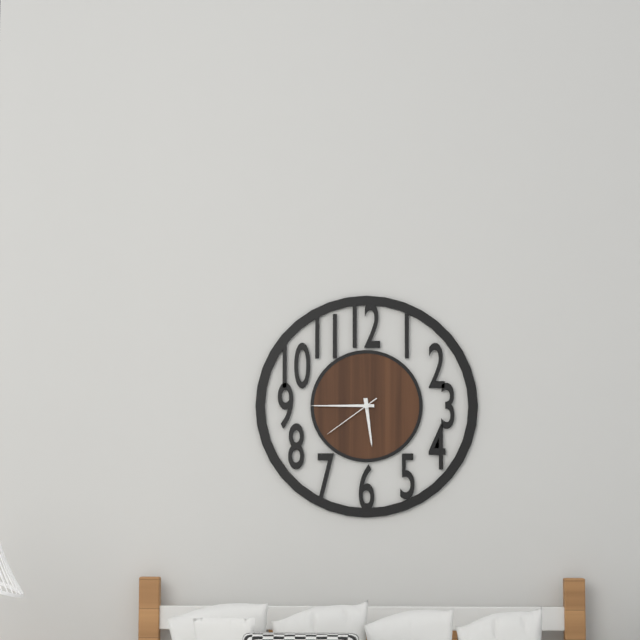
h=5 m=45 s=39
